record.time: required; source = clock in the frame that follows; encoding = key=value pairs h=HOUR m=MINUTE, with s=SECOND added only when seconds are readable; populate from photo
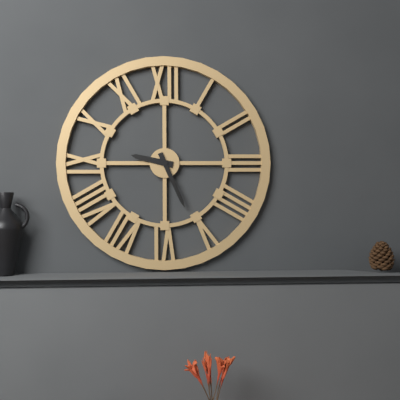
h=9 m=26
